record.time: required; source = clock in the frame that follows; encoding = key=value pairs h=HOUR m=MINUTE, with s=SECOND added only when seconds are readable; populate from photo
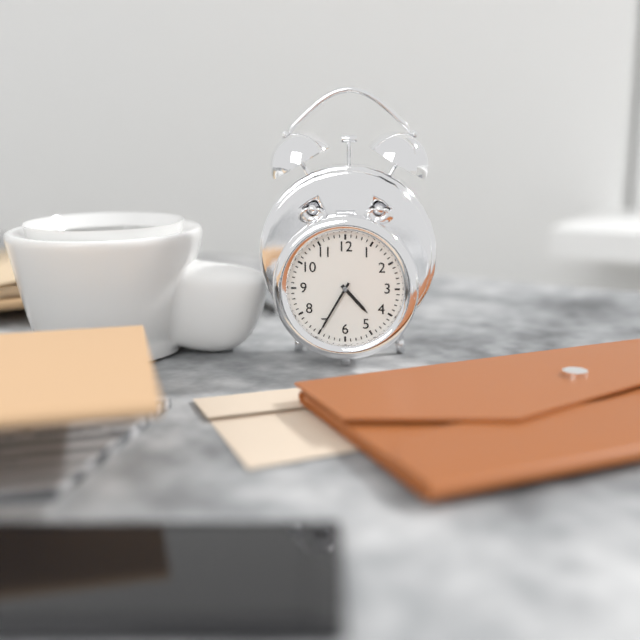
h=4 m=35
